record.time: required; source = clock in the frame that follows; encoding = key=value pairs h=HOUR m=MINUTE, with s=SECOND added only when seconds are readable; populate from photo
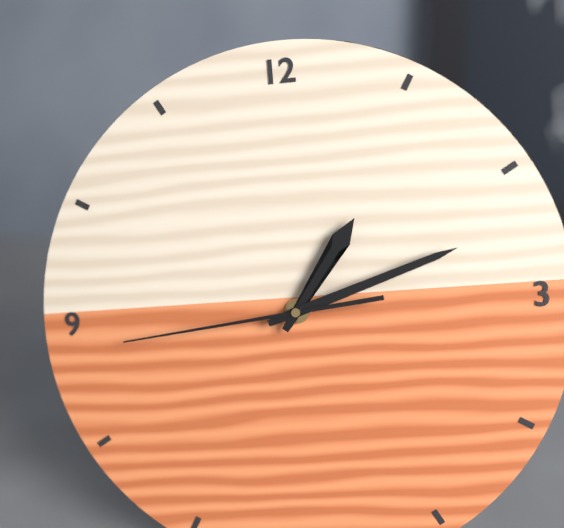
h=1 m=12 s=44
